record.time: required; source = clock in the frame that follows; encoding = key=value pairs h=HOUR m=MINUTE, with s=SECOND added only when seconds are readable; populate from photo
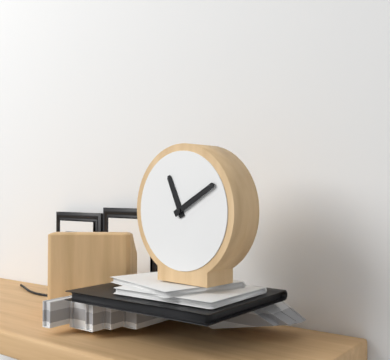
h=11 m=10
